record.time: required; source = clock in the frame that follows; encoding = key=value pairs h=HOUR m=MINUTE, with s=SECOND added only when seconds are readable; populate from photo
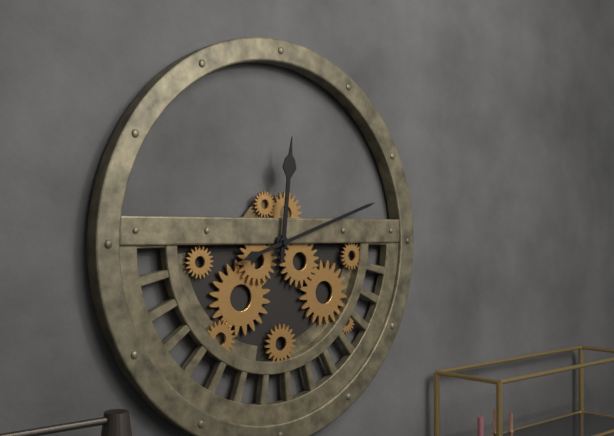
h=12 m=12
